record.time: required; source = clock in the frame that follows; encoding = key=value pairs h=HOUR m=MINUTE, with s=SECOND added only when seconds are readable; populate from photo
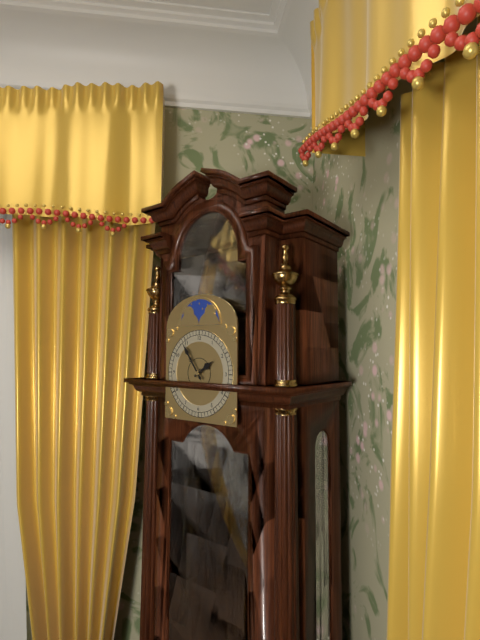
h=1 m=54
